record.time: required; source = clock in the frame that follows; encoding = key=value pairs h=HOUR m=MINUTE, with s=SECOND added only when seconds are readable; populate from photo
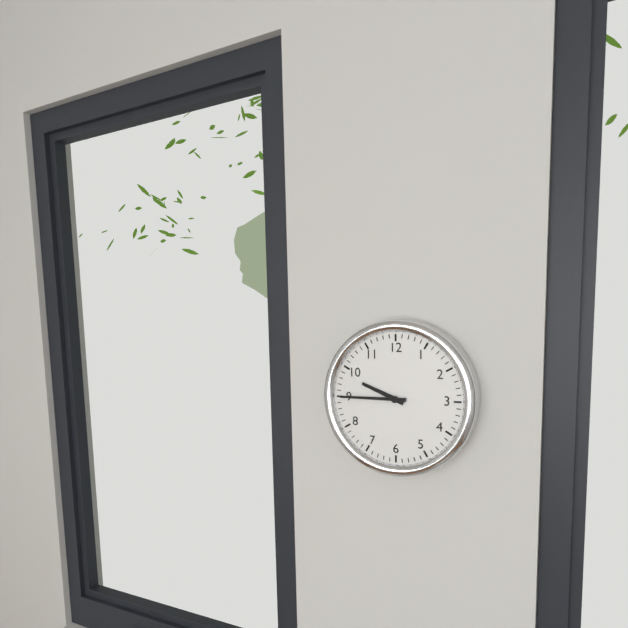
h=9 m=45
